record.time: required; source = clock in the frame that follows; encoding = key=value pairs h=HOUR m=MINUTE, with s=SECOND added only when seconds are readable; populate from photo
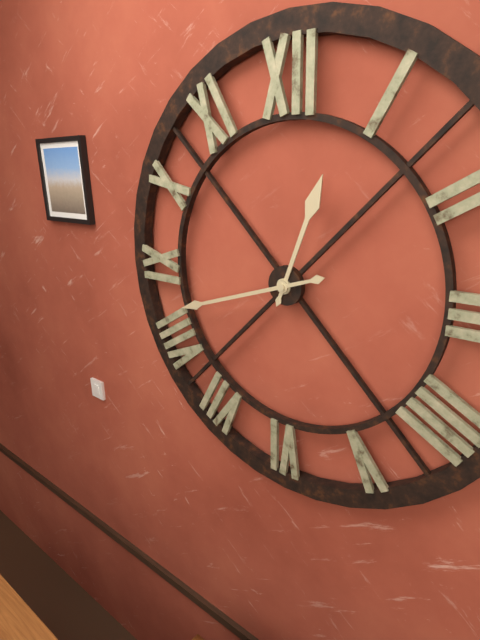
h=12 m=42
